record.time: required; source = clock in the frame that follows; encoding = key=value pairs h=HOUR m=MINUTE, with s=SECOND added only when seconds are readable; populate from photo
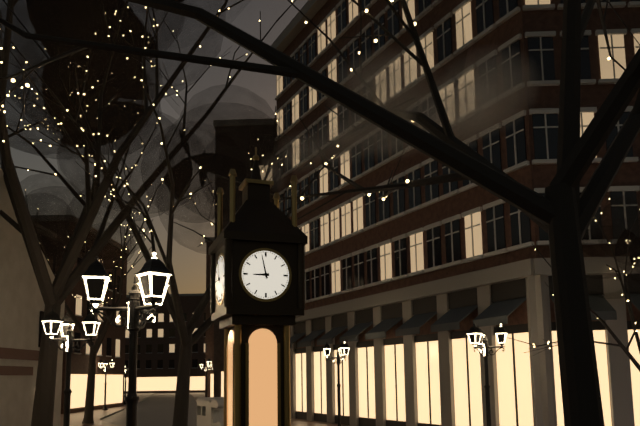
h=8 m=58
